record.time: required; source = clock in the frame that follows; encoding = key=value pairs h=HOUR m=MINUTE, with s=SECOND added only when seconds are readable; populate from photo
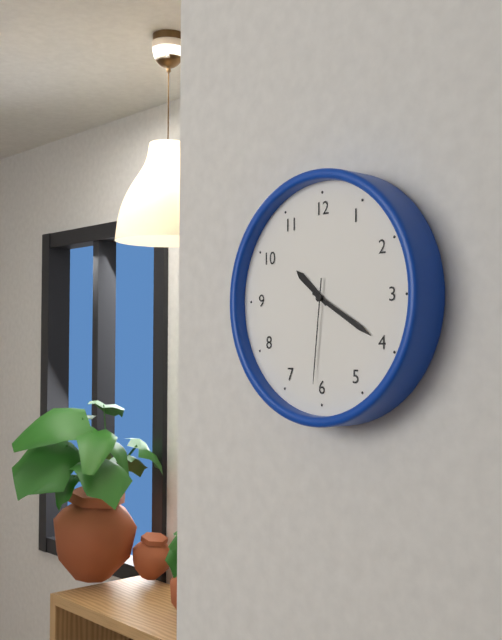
h=10 m=20 s=31
